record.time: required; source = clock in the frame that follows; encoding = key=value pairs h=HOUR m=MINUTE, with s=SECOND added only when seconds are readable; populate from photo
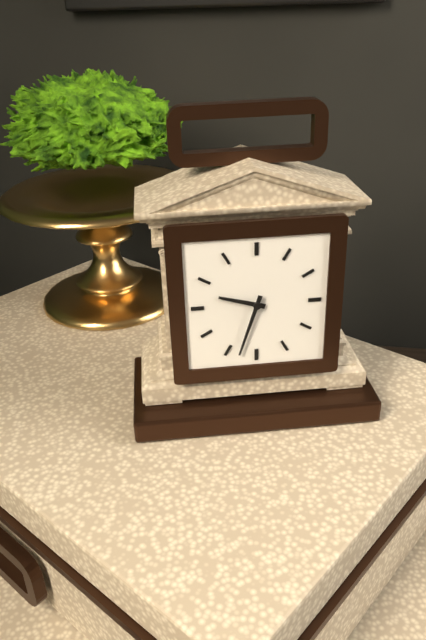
h=9 m=33
